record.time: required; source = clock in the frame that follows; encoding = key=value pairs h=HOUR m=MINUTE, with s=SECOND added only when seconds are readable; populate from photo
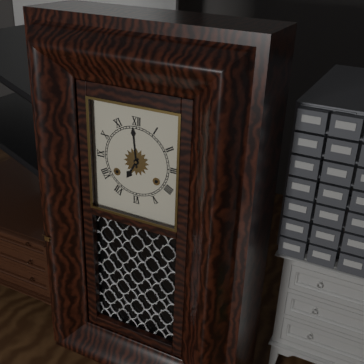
h=6 m=59
